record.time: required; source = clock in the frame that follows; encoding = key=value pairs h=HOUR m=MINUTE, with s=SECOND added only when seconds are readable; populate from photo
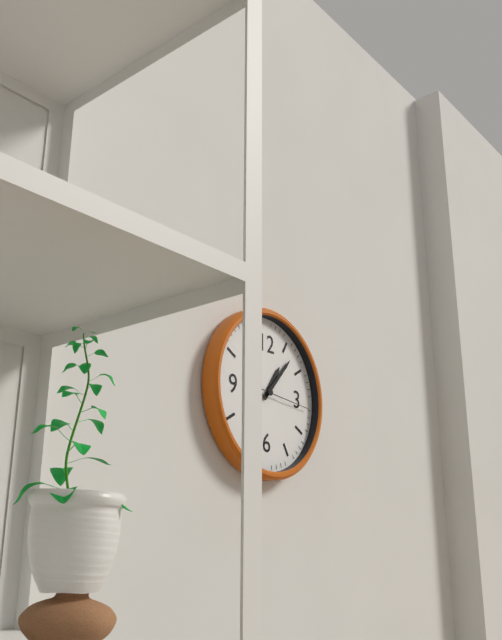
h=1 m=7 s=16
